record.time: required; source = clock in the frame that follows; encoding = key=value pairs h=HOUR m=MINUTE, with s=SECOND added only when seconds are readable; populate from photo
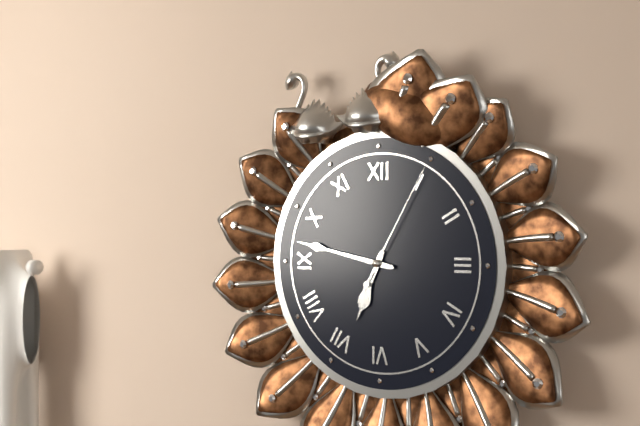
h=6 m=47 s=5
